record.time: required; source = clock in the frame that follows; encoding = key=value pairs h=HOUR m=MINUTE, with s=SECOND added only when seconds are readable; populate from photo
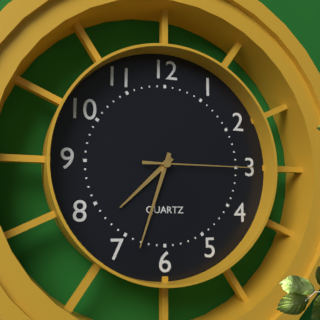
h=7 m=33 s=15
